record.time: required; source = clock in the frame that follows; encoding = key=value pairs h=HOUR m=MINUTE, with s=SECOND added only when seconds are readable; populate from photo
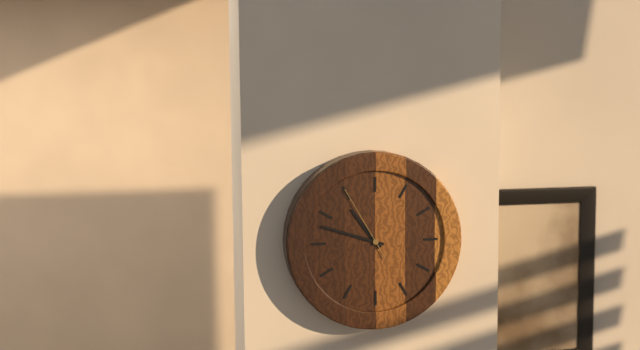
h=10 m=48 s=55
